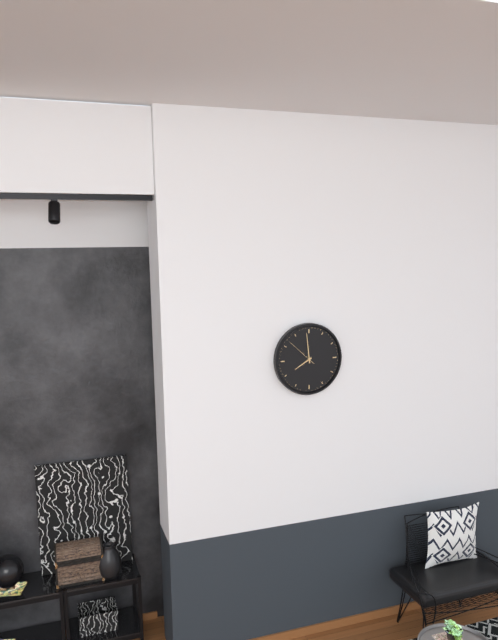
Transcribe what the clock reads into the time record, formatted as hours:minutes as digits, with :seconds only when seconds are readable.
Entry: 7:59
